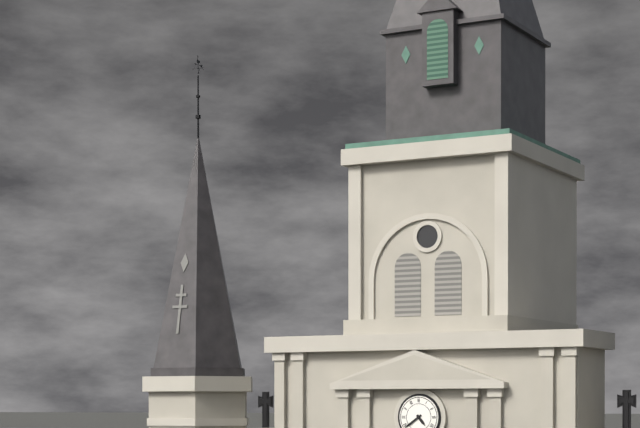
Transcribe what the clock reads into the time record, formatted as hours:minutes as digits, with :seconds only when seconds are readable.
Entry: 4:39
